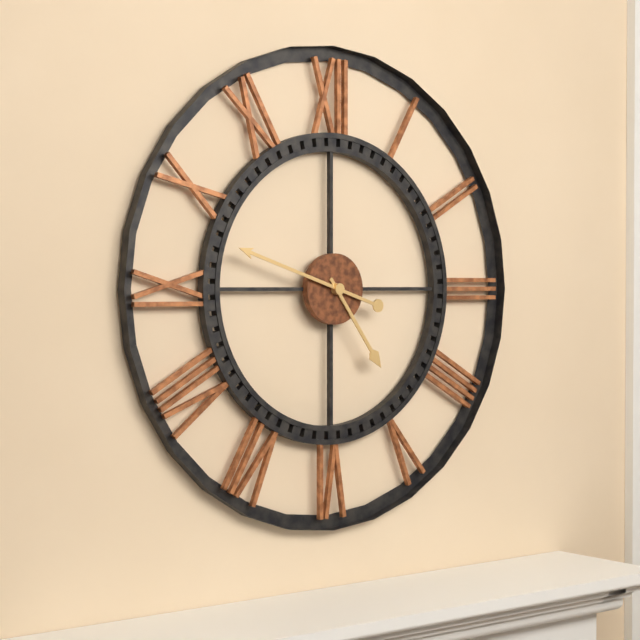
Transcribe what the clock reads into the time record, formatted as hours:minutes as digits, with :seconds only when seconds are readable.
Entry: 4:48
